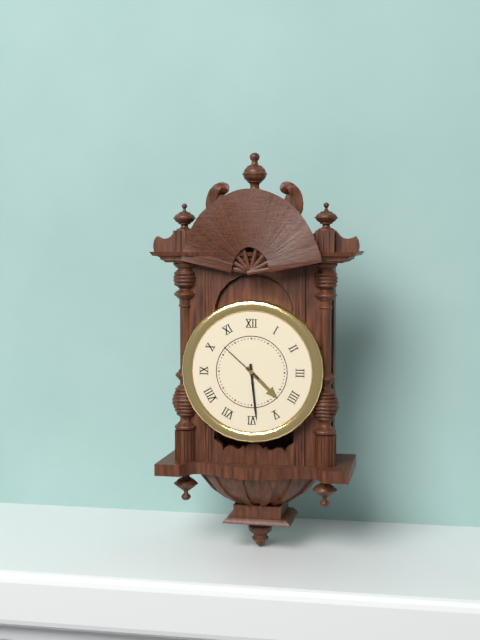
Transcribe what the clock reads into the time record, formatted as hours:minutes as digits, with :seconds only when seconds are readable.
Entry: 4:29
